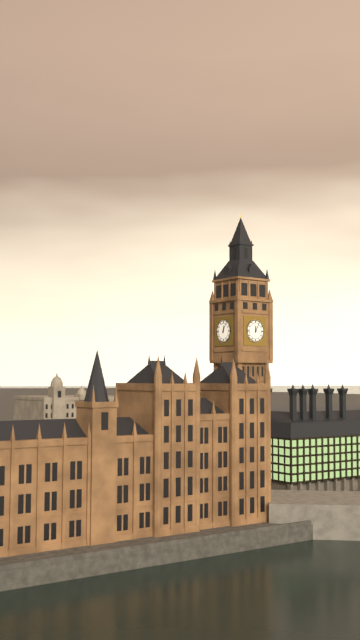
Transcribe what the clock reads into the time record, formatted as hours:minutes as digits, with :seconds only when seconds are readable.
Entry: 12:05
